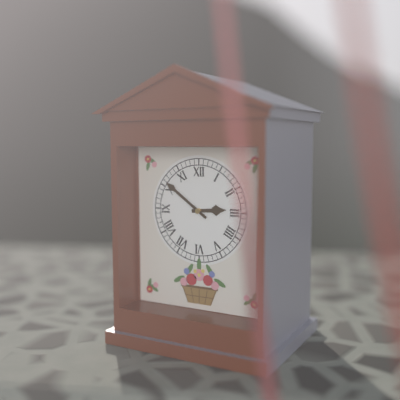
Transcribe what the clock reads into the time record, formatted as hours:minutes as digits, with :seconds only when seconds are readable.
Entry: 2:51
